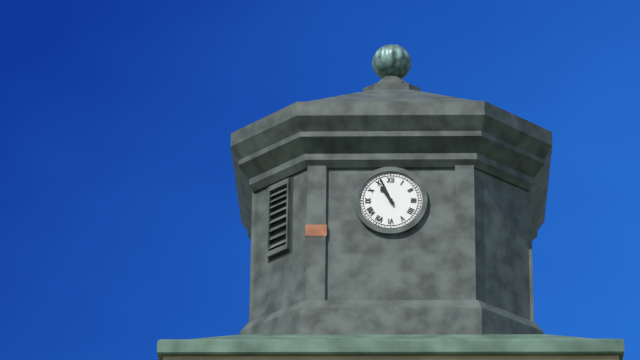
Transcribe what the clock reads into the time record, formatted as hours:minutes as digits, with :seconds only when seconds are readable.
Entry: 10:56
